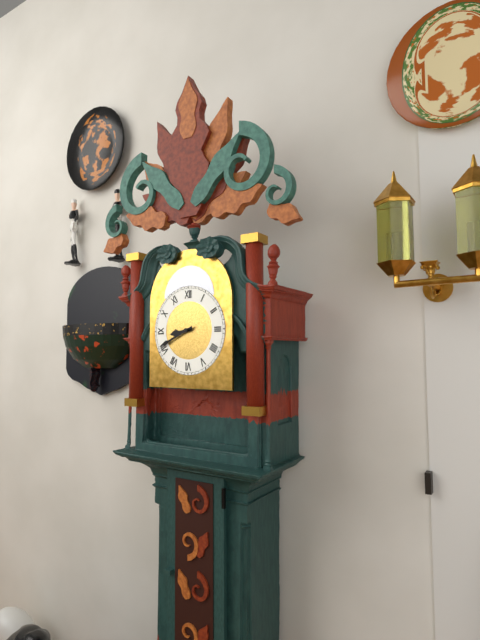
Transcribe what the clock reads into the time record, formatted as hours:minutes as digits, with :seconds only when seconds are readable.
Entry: 8:41
